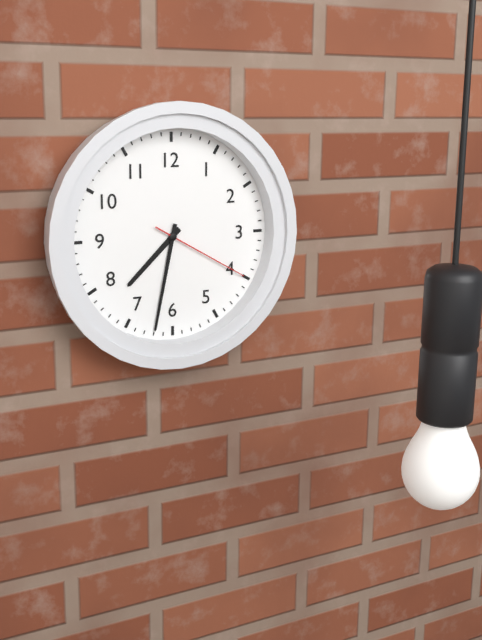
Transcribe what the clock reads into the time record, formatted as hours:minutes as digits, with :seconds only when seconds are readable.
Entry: 7:32:20
